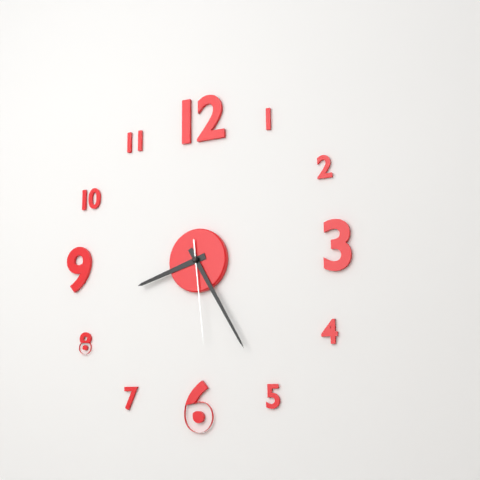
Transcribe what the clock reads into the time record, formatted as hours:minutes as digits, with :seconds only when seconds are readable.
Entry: 8:25:29
